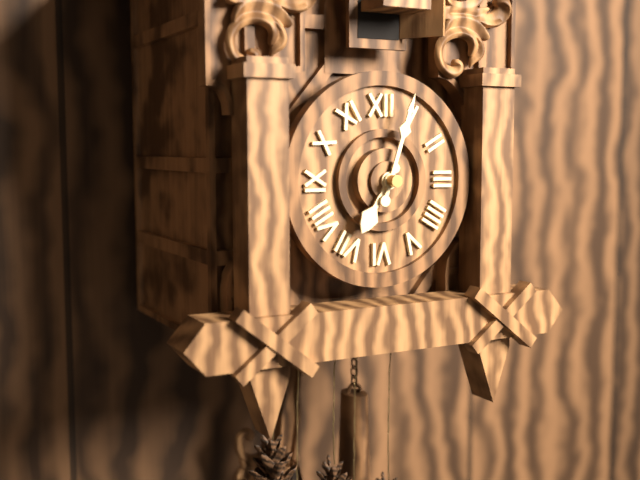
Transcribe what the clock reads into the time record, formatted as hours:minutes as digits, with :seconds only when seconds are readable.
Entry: 7:03
